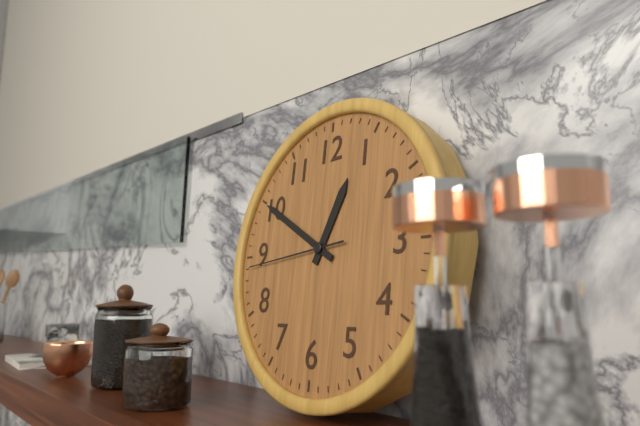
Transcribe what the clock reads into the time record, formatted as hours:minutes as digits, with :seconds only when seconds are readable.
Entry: 12:50:44
